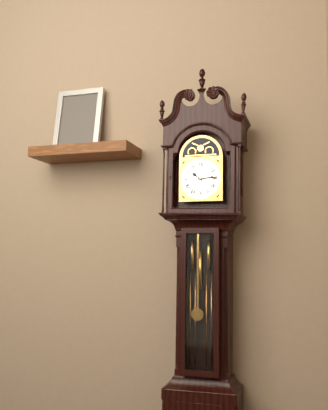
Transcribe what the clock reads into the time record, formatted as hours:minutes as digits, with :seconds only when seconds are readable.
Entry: 10:14
